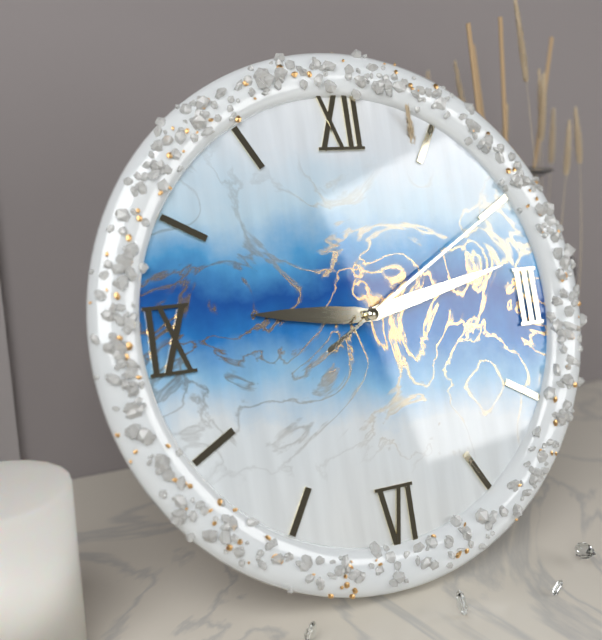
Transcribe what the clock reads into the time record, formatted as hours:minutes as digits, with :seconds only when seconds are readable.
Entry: 9:13:10
